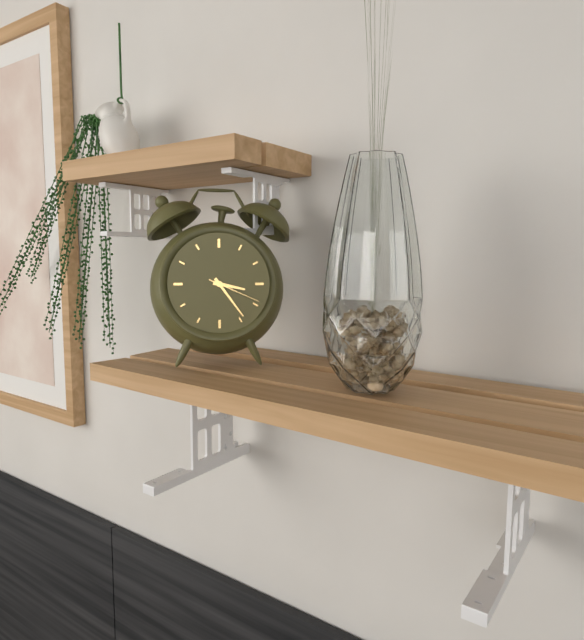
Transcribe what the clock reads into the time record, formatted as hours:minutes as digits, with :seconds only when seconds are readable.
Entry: 3:24:19
